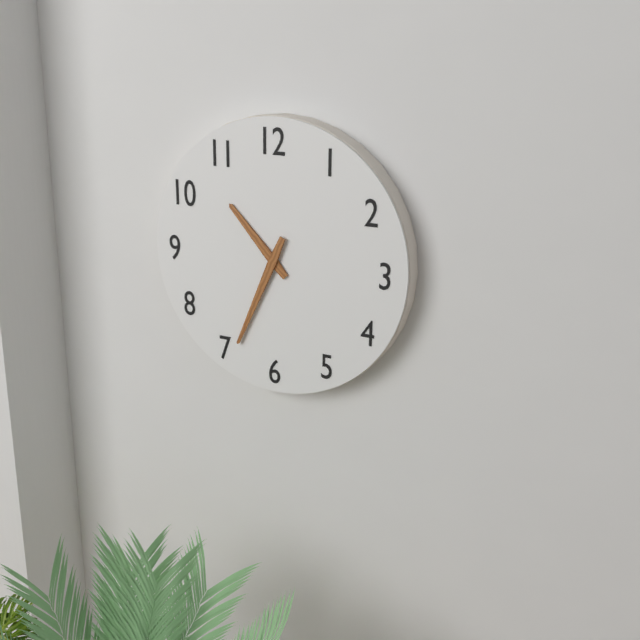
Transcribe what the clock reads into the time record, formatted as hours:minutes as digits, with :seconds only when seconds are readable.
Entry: 10:34
